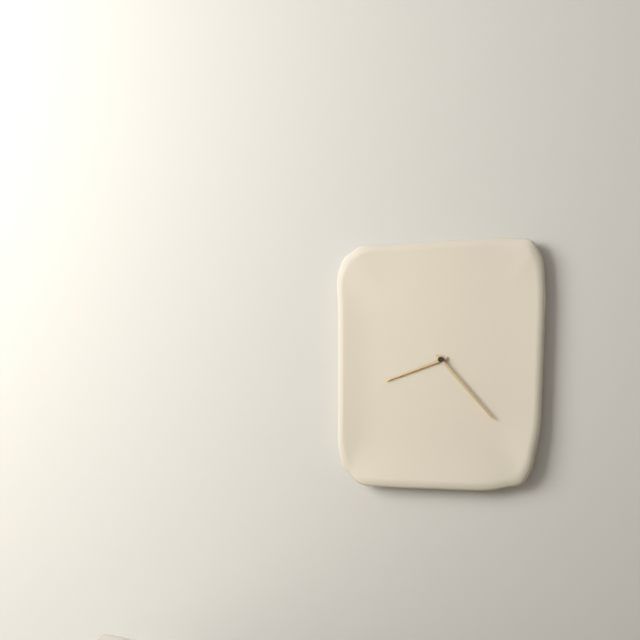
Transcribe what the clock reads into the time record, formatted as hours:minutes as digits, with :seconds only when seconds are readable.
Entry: 8:23
